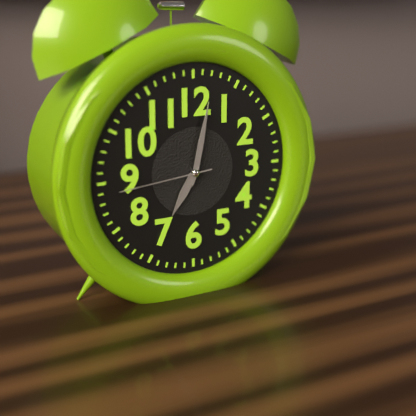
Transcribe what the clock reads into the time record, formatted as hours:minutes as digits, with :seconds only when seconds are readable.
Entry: 7:02:44
